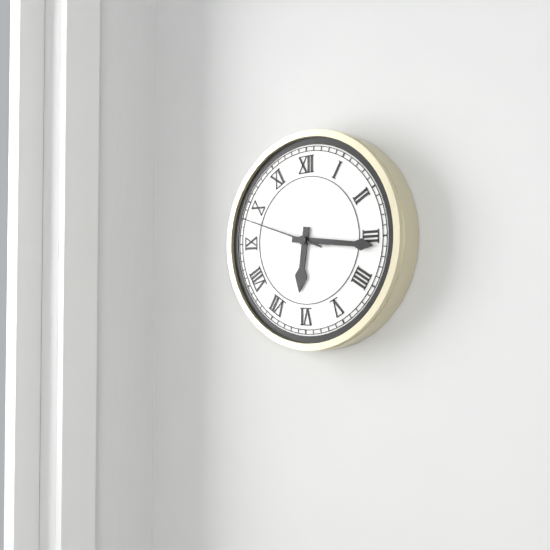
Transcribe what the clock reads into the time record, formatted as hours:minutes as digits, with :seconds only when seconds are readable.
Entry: 6:16:48
